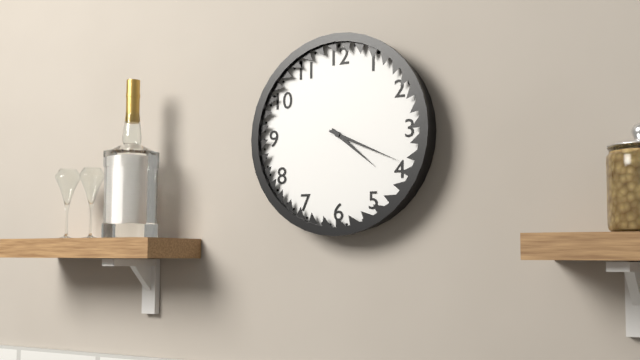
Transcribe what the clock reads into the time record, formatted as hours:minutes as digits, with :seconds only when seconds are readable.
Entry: 4:19
